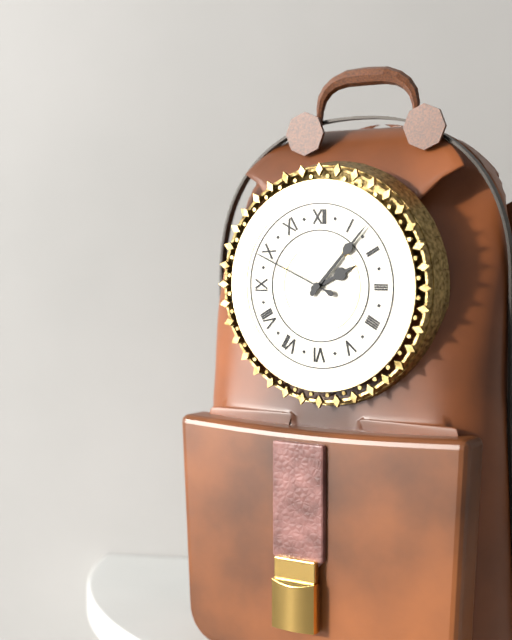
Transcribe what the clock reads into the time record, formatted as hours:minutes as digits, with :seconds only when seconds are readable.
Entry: 2:07:49
